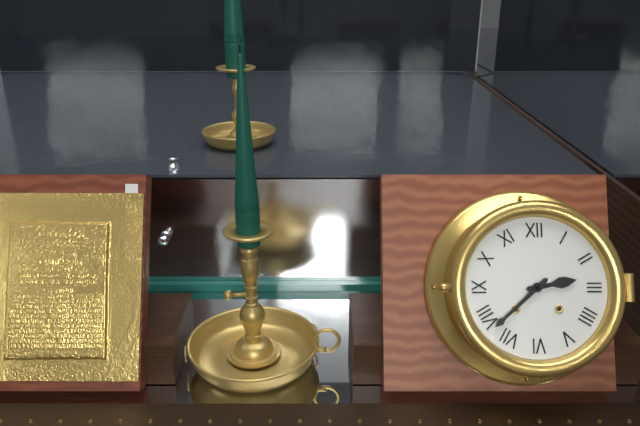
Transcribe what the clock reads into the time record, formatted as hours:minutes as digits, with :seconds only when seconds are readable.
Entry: 2:38
